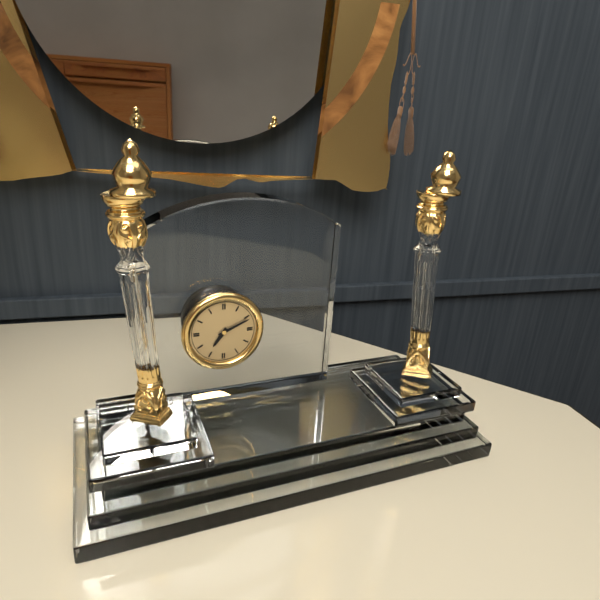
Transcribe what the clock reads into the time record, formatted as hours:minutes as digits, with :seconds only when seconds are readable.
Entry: 7:11
